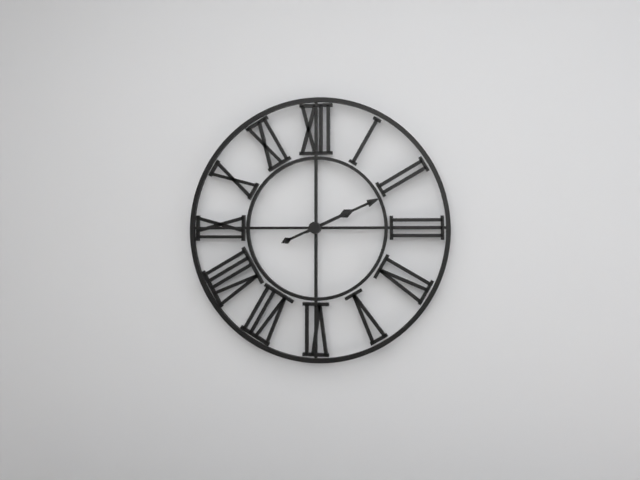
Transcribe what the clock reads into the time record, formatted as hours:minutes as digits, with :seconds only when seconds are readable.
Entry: 2:11
